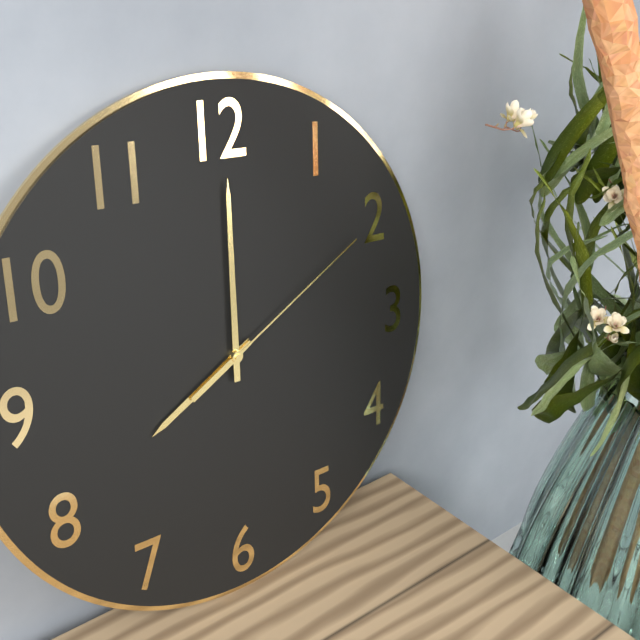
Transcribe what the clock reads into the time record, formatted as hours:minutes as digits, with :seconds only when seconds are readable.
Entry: 8:00:10
